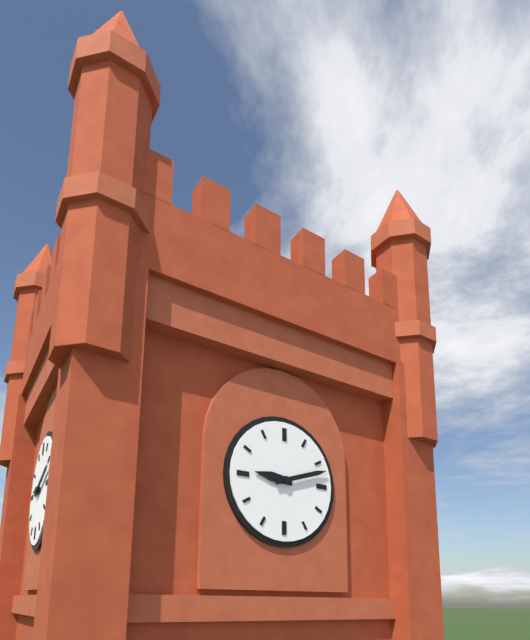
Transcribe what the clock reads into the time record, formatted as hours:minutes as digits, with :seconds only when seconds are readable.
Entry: 9:12
